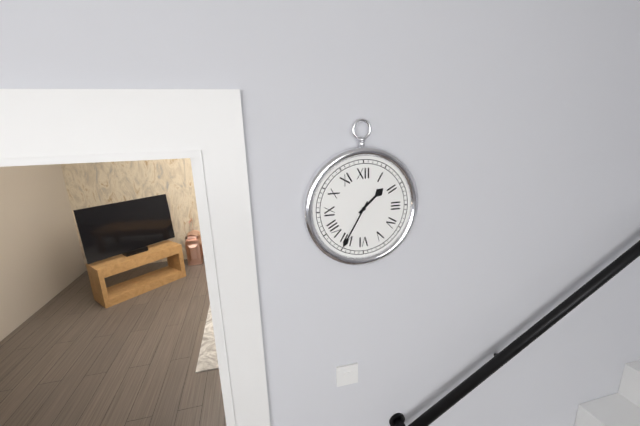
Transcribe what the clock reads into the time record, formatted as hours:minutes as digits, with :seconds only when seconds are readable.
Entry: 1:35
